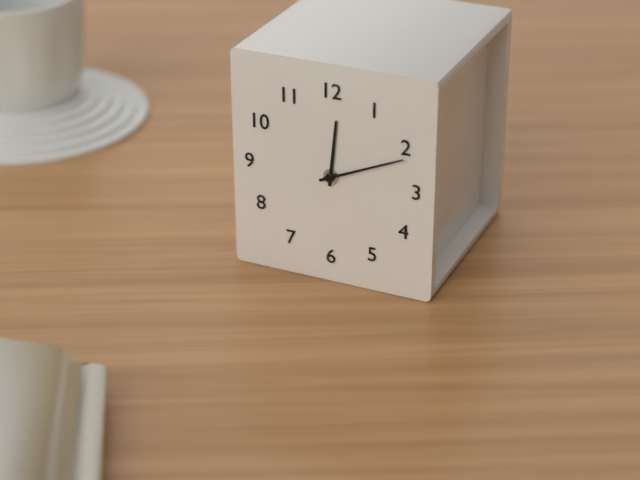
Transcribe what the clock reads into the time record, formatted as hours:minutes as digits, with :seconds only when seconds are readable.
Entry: 12:11
